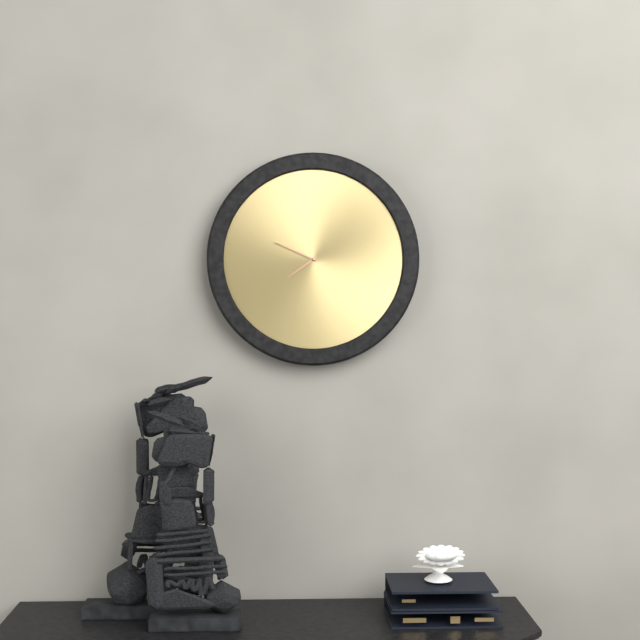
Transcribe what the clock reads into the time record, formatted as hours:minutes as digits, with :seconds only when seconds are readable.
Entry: 7:49
